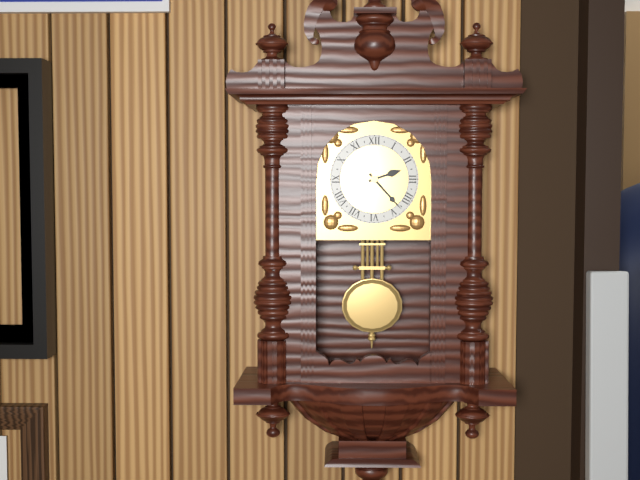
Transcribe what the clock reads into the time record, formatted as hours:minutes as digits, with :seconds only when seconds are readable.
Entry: 2:23
